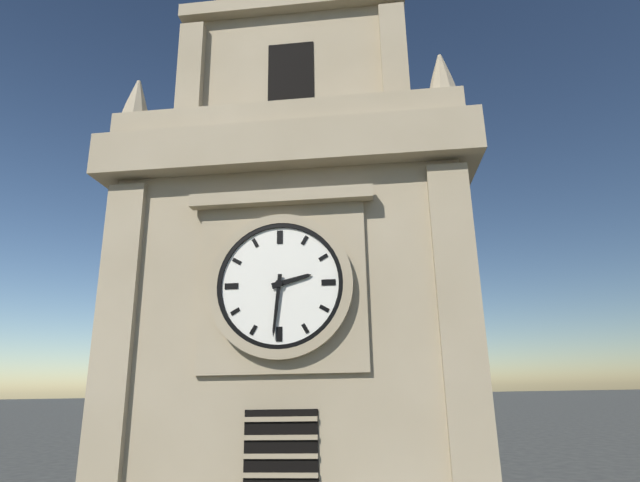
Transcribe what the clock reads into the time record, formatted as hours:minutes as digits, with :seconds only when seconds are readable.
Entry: 2:31
